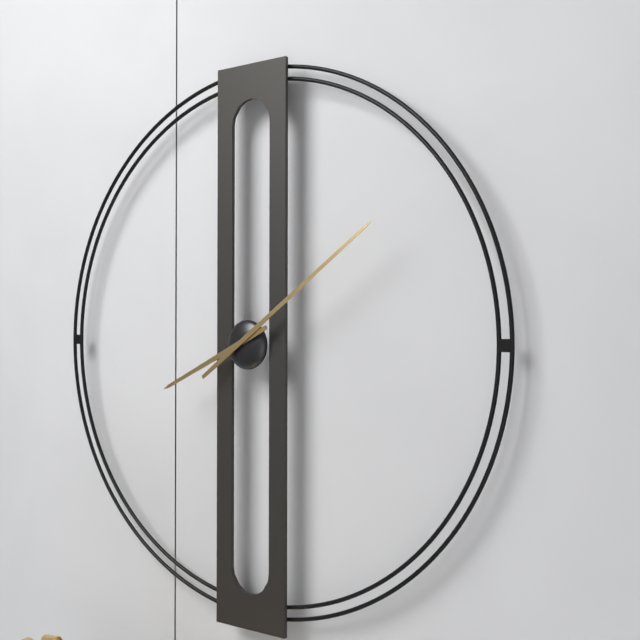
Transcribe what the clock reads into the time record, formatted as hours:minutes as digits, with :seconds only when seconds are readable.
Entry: 8:09
